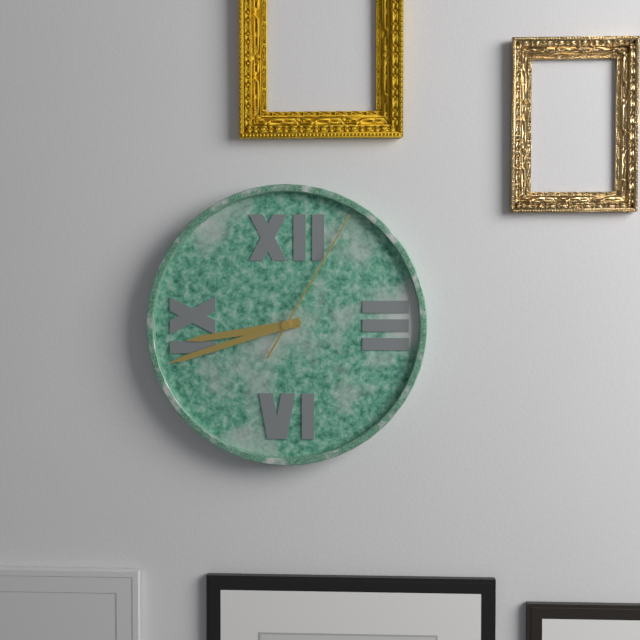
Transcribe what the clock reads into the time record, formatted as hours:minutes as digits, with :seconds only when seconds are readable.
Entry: 8:42:05
